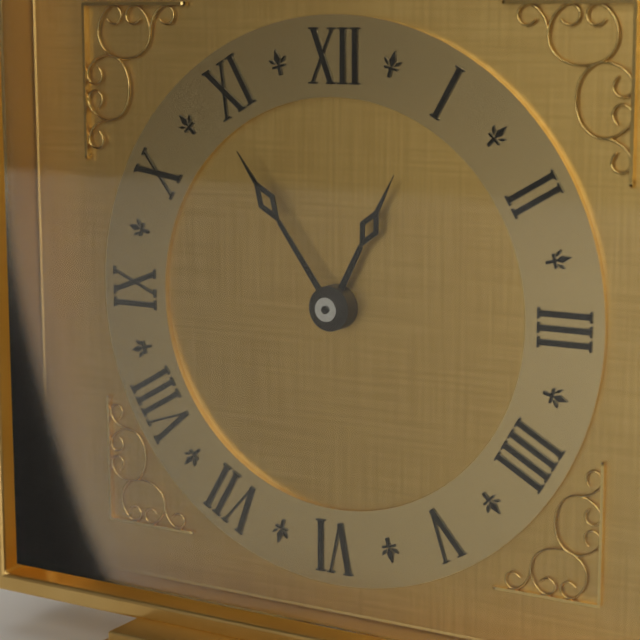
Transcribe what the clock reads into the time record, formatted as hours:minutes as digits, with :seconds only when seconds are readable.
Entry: 12:54
